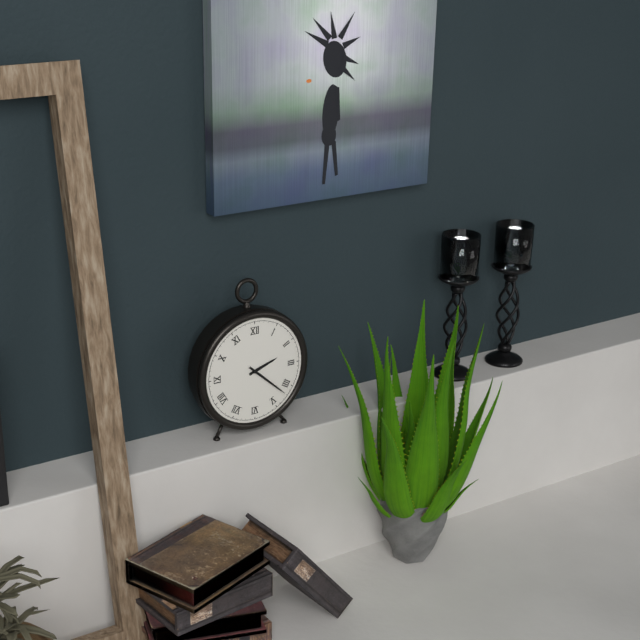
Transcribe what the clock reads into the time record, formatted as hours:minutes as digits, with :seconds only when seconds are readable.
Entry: 2:22
